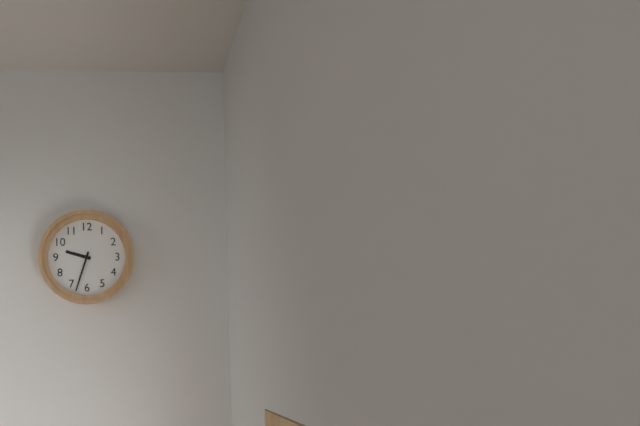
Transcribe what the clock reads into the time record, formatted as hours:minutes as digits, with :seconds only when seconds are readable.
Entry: 9:33
